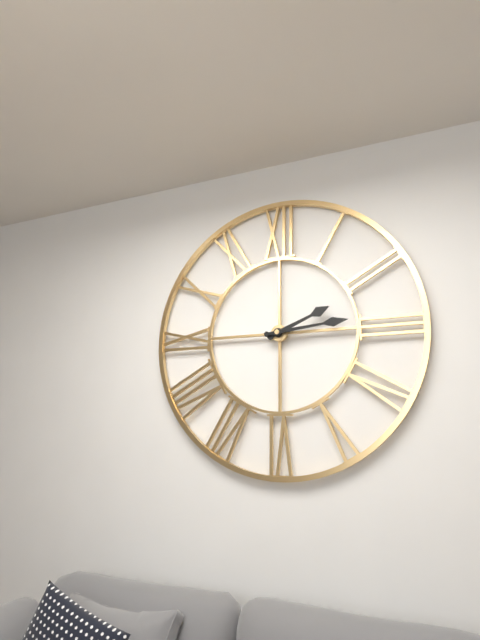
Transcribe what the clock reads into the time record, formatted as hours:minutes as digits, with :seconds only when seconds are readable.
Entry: 2:14
